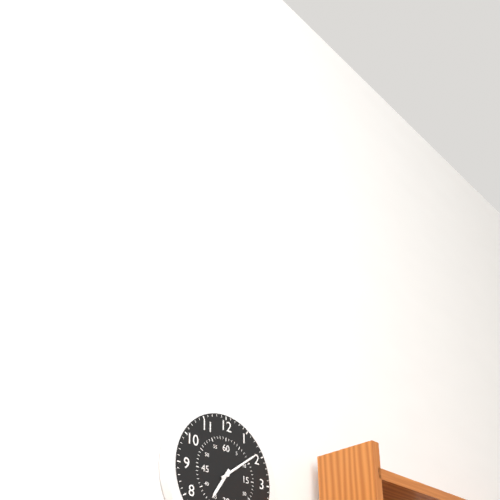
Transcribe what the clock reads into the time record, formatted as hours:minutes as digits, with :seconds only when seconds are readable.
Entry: 7:09
